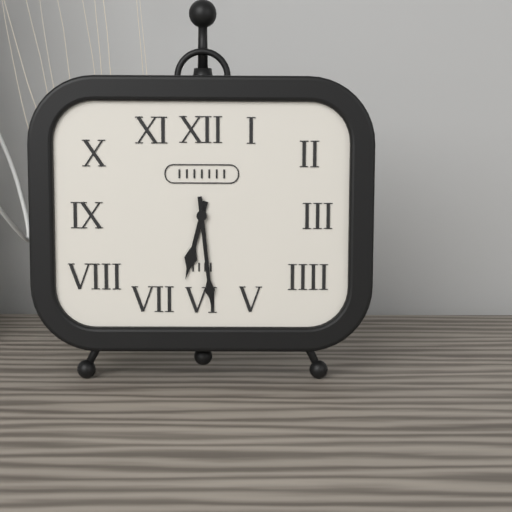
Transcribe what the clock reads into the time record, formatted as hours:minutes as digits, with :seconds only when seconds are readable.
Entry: 6:29
